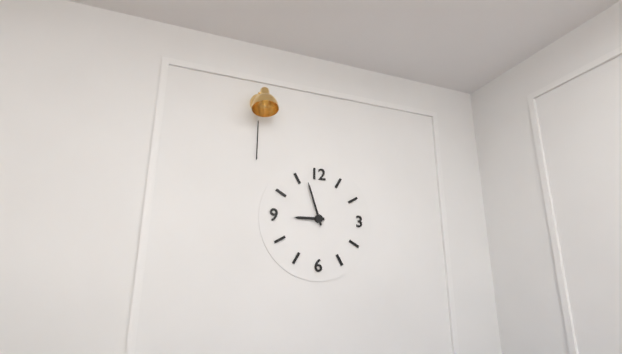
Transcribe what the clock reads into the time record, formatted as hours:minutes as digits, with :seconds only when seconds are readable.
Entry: 8:57
